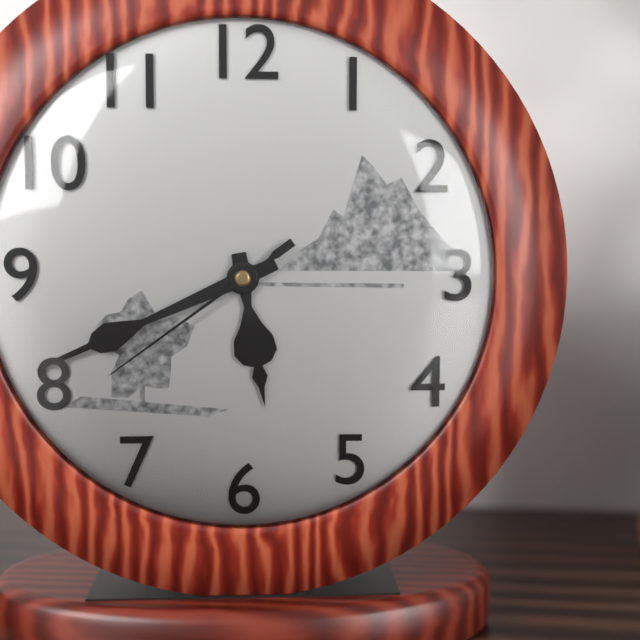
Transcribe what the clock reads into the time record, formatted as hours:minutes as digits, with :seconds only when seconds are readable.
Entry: 5:41:39
